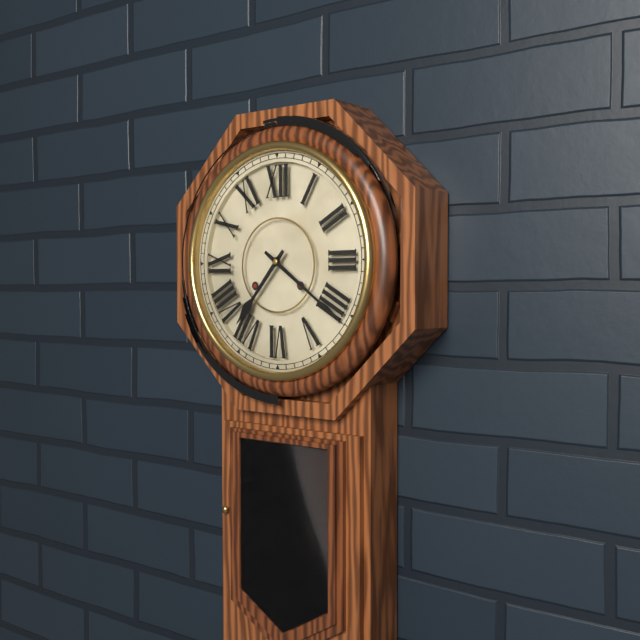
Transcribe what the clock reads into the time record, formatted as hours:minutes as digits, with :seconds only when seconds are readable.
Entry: 7:21
